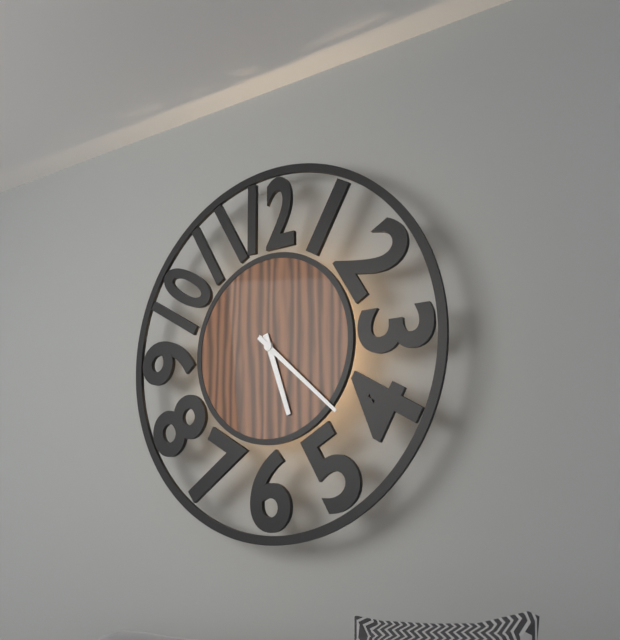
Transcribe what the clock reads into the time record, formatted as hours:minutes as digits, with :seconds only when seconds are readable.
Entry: 5:22
